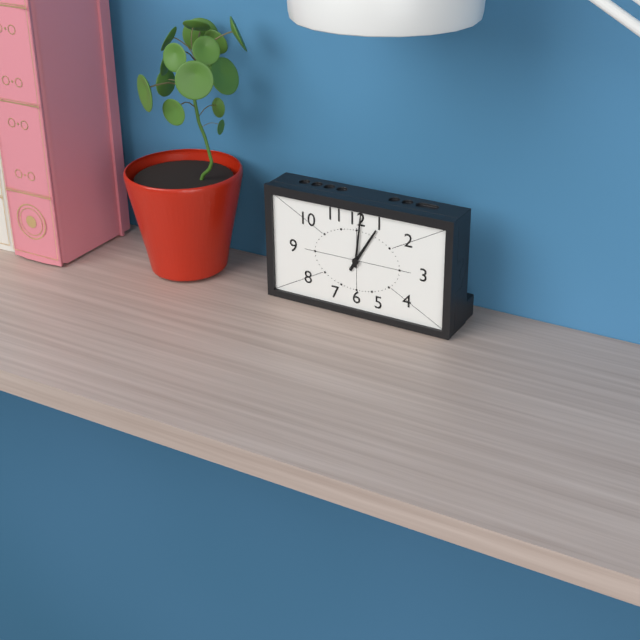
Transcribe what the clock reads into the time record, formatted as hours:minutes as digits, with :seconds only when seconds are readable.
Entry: 1:01
